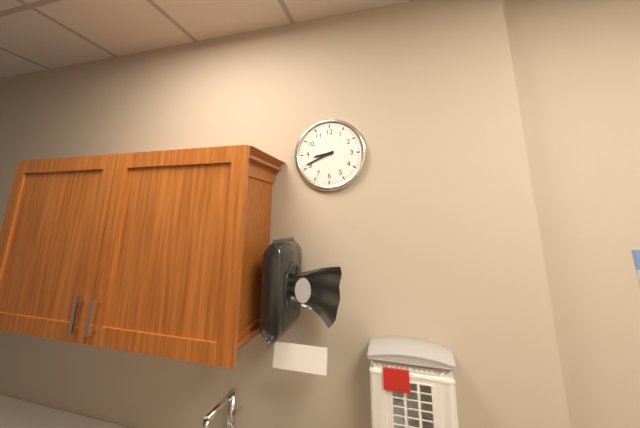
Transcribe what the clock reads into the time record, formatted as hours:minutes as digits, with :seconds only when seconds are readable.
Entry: 8:41
